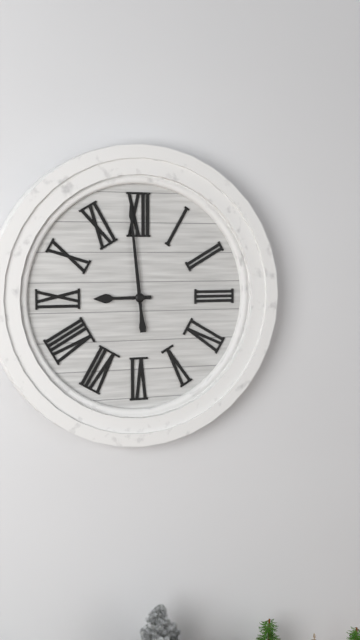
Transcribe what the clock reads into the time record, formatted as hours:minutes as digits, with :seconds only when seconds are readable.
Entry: 8:59
